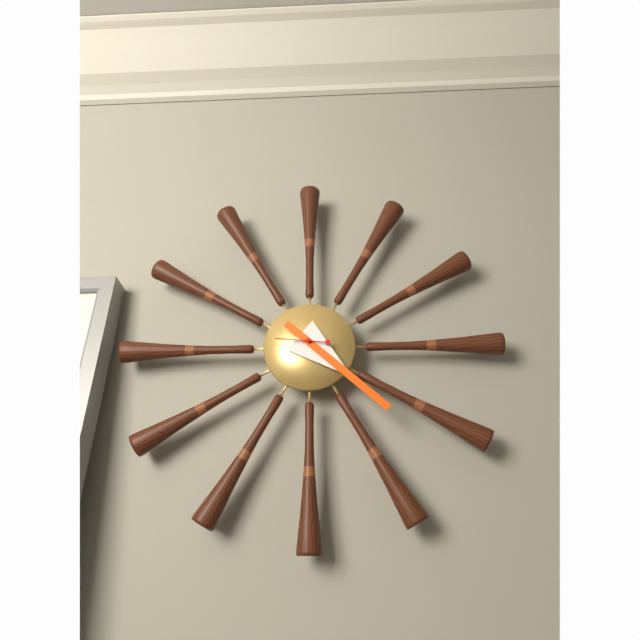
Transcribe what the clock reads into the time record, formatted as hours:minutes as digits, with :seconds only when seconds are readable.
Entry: 4:22:46
